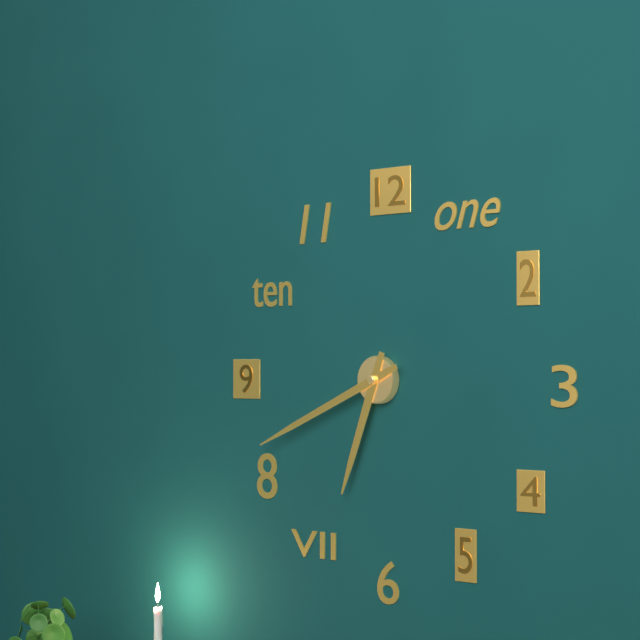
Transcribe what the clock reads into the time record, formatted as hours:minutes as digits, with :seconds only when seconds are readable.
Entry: 6:41
